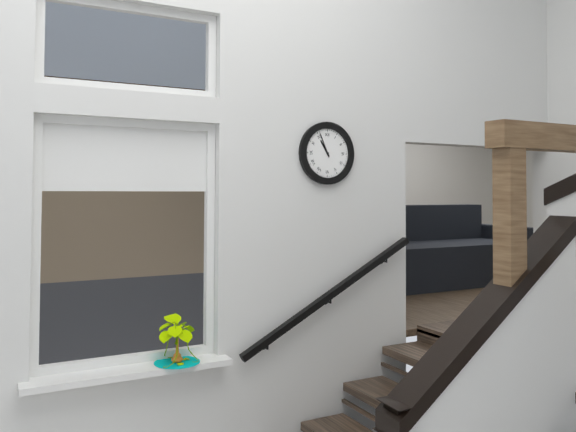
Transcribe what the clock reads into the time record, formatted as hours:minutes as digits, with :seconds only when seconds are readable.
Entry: 10:56
